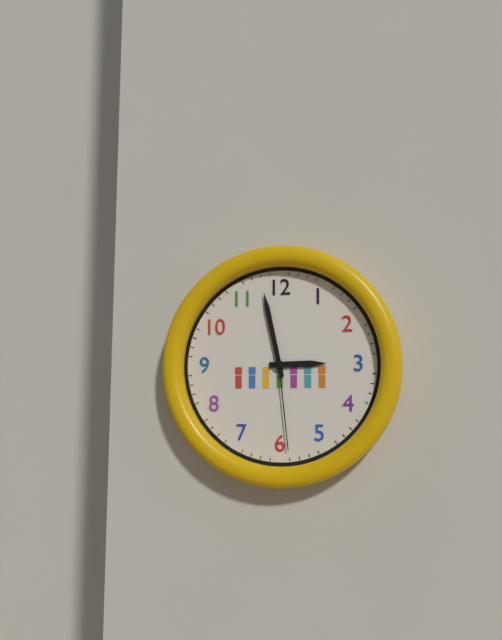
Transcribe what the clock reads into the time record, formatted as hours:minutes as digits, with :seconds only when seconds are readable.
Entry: 2:58:29
